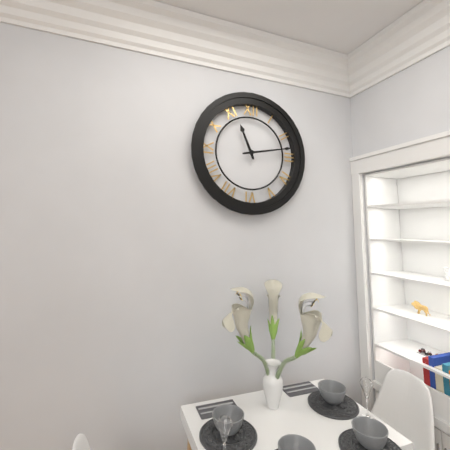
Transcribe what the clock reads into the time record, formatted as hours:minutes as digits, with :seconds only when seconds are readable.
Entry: 11:13
